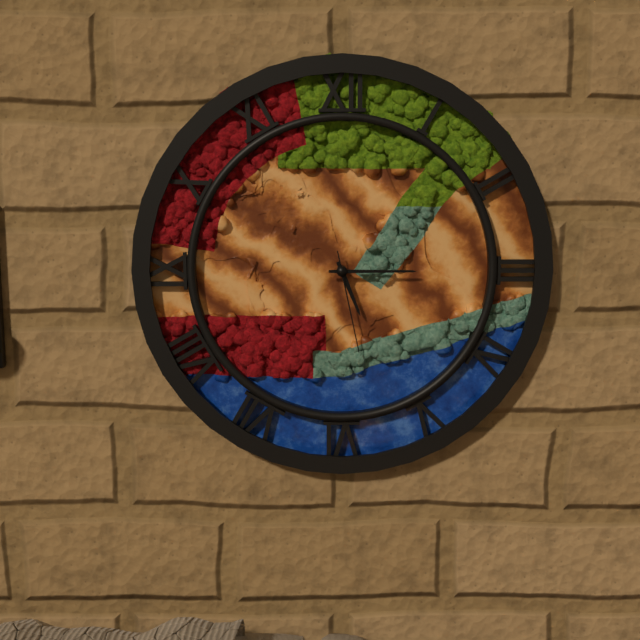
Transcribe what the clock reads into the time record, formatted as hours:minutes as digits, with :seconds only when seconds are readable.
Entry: 5:15:28
